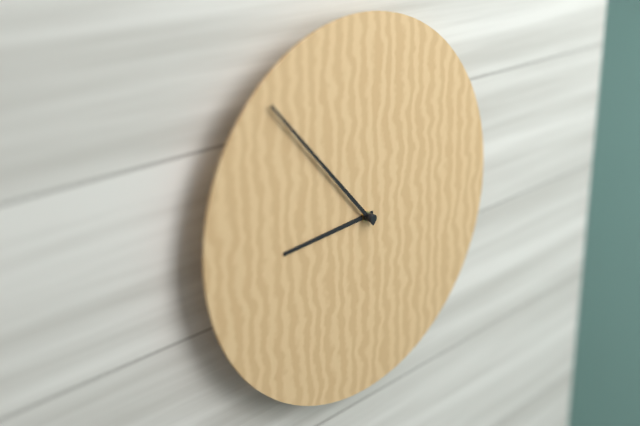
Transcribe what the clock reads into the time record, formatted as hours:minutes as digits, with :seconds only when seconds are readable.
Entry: 8:53
